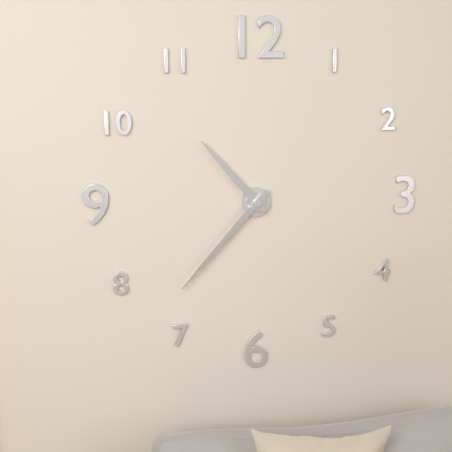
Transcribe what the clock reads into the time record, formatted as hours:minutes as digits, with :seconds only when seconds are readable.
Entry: 10:37
